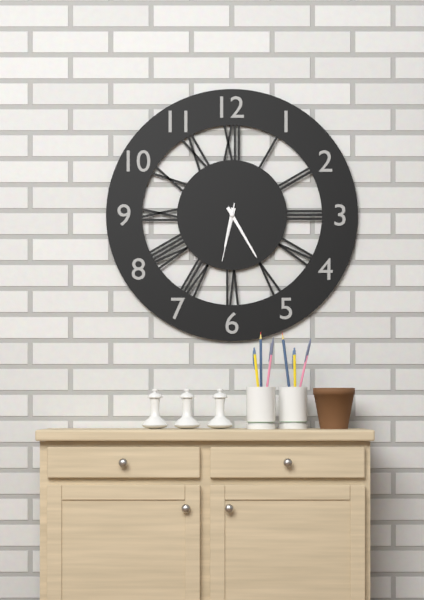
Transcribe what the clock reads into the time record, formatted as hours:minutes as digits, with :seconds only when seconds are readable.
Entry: 6:25:32
